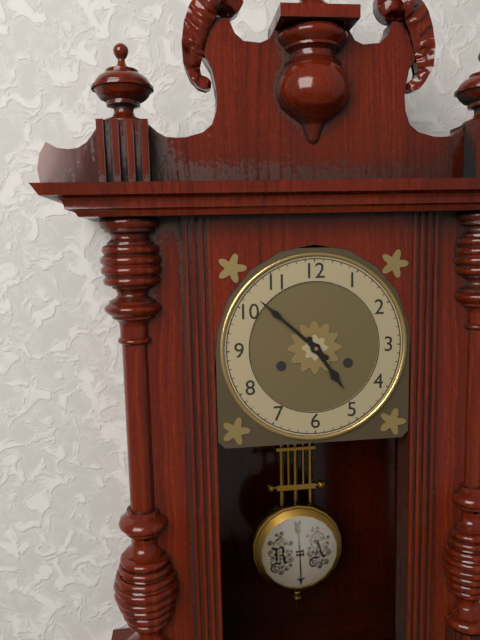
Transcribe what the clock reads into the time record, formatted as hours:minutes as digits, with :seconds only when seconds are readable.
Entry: 4:52
